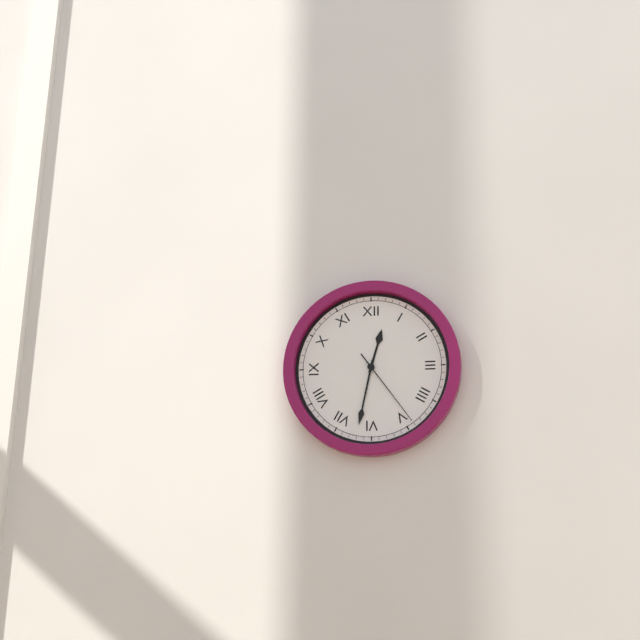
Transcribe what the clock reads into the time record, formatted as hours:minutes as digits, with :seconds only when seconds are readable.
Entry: 12:32:24
